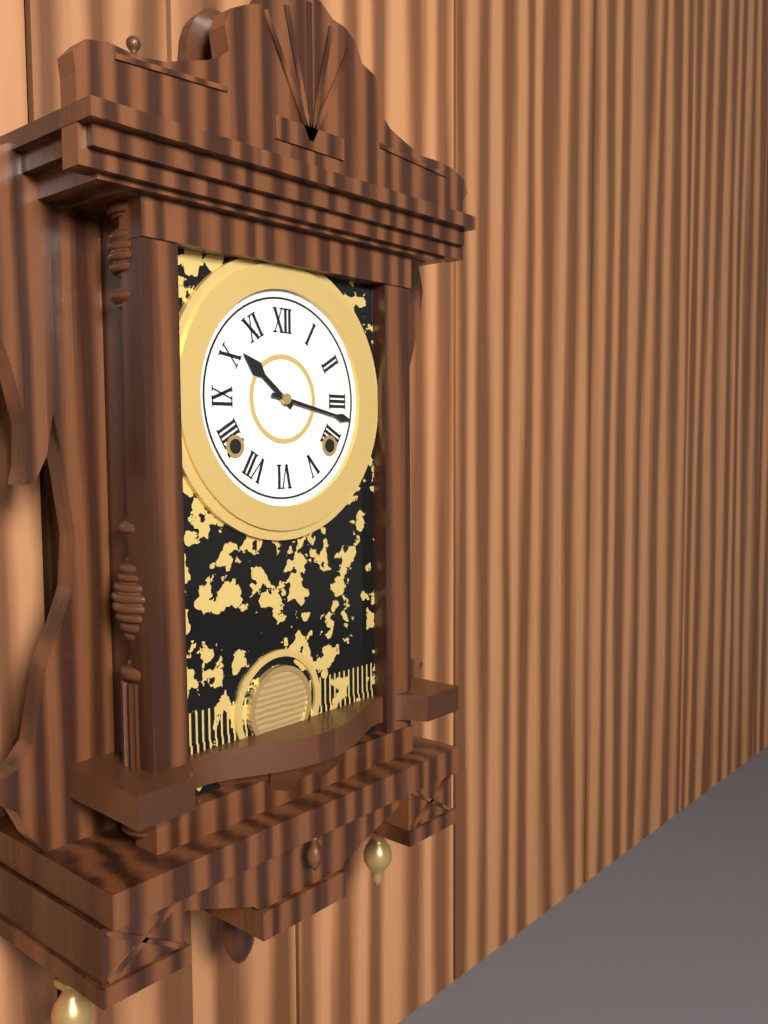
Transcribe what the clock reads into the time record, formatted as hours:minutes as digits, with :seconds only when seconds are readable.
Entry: 10:17
